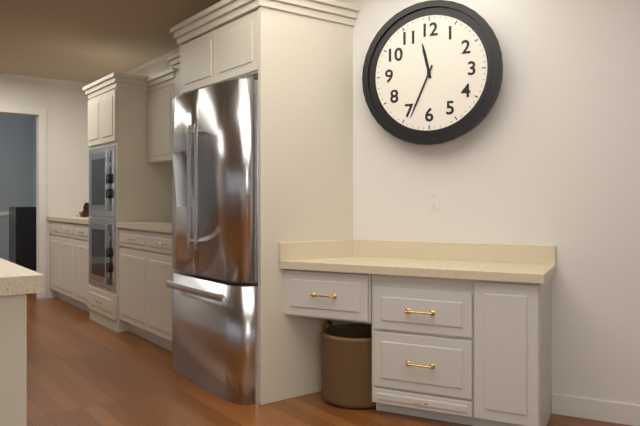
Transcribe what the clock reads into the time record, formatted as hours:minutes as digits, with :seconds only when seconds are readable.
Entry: 11:34
